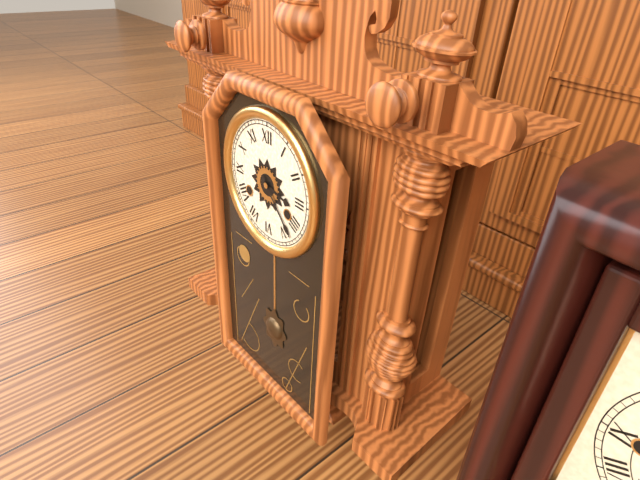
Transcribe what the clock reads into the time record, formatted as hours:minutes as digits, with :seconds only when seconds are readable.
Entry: 3:23
